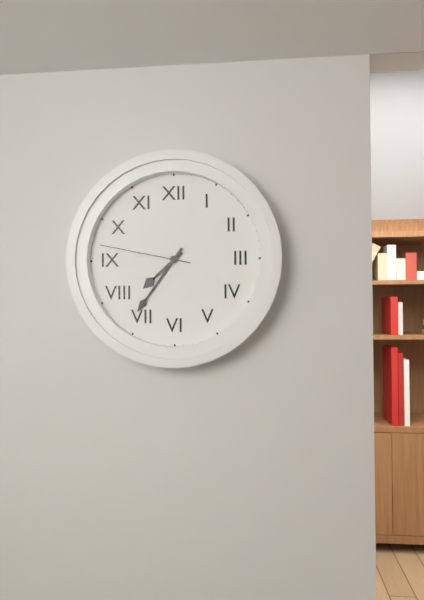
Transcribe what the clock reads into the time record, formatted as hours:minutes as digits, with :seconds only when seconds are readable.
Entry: 7:36:47
